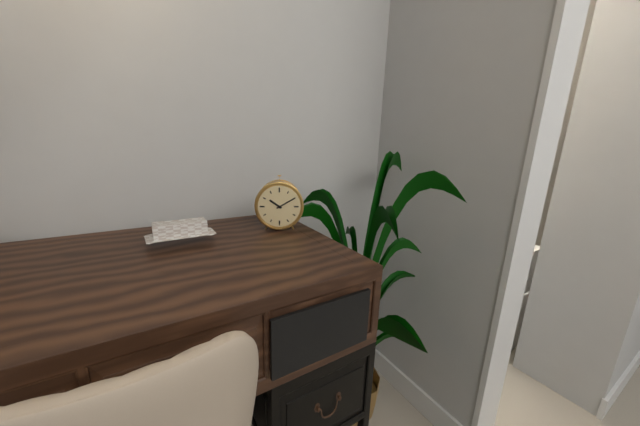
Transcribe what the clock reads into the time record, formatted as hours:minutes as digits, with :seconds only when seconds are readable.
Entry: 10:10
